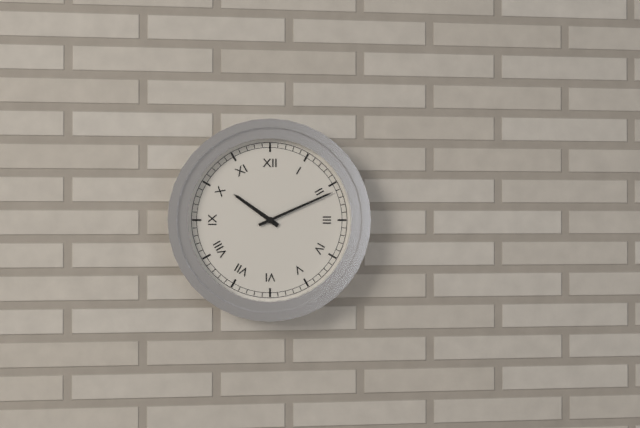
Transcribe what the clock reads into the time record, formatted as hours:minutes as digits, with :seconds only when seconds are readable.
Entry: 10:11
